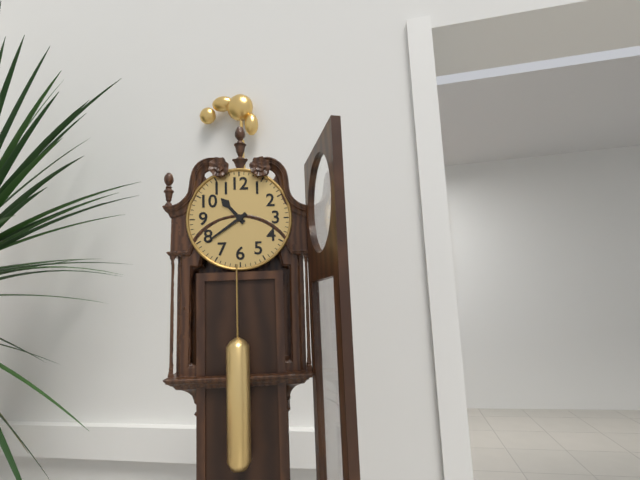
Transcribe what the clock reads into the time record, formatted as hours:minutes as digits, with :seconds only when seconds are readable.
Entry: 10:39
